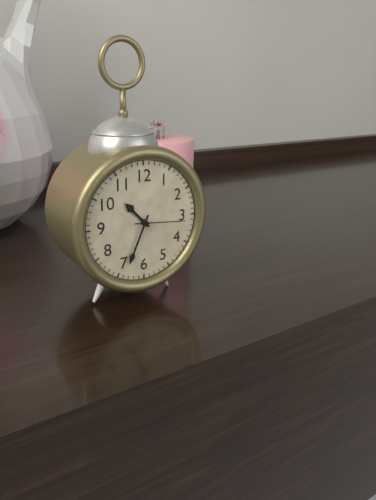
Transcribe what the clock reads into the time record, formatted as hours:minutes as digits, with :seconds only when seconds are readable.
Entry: 10:34
